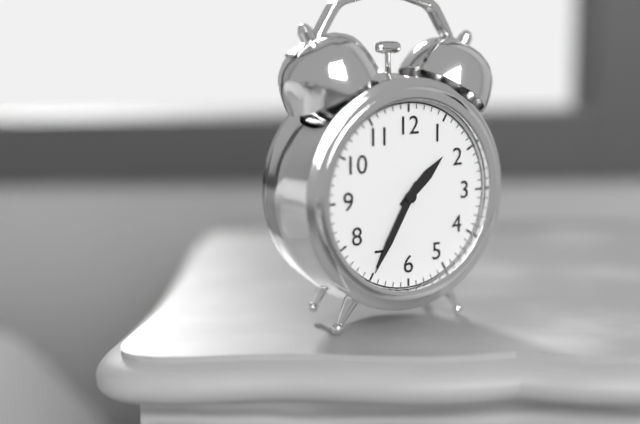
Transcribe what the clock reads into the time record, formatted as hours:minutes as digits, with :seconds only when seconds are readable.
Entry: 1:35
